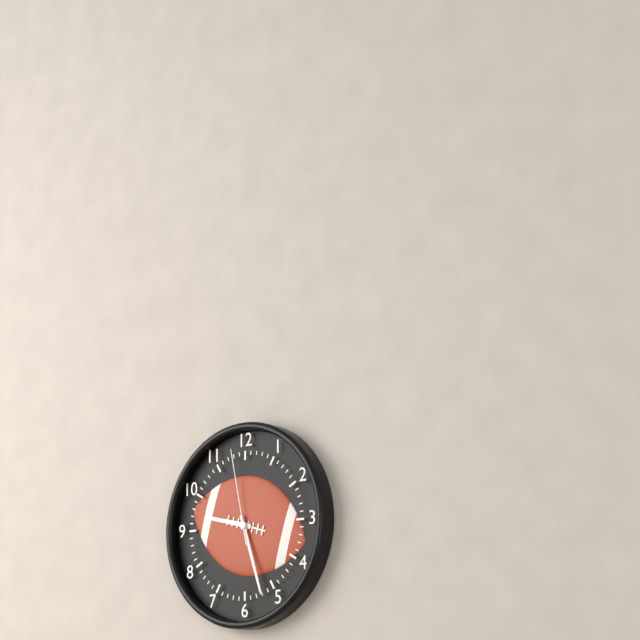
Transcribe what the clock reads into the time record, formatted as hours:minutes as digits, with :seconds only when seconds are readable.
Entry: 9:27:58
